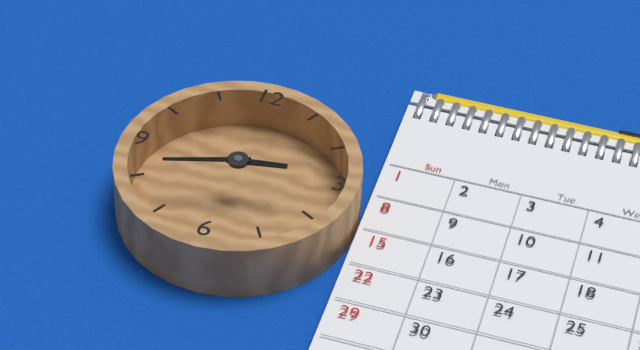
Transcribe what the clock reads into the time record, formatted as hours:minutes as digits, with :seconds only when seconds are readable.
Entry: 2:42
